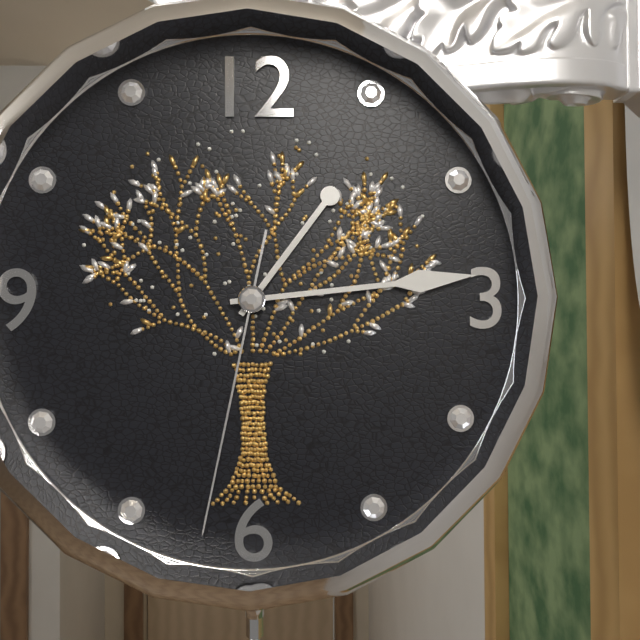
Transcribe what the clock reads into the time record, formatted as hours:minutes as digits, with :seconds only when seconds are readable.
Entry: 1:14:32
